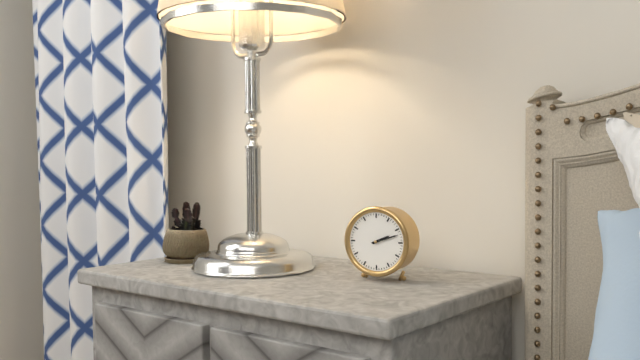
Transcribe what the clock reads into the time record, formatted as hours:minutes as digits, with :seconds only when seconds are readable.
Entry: 2:12
